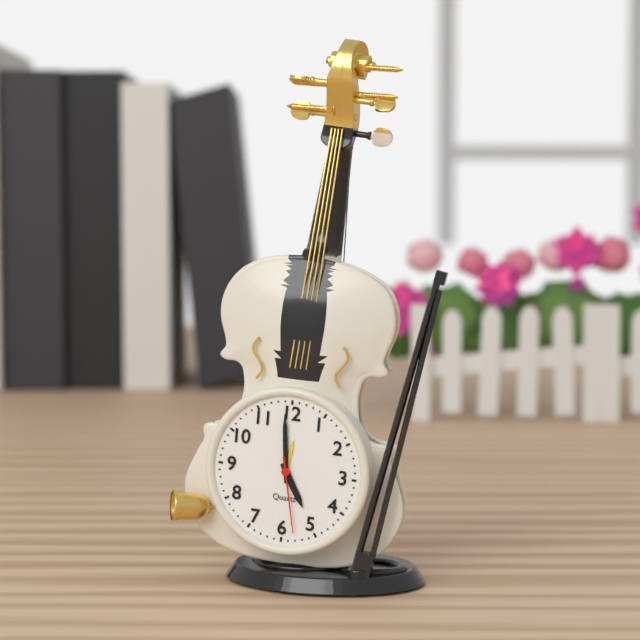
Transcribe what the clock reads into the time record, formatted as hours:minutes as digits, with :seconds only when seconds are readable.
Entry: 4:59:28
